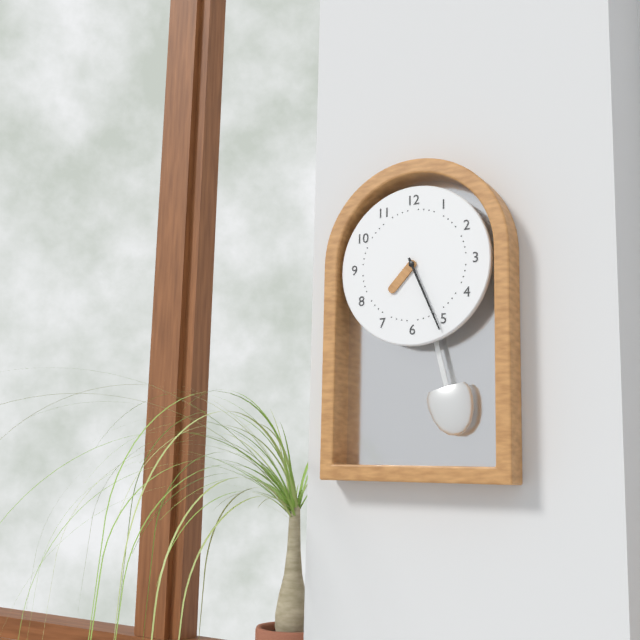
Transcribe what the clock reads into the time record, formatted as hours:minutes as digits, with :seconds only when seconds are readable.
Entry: 7:26
